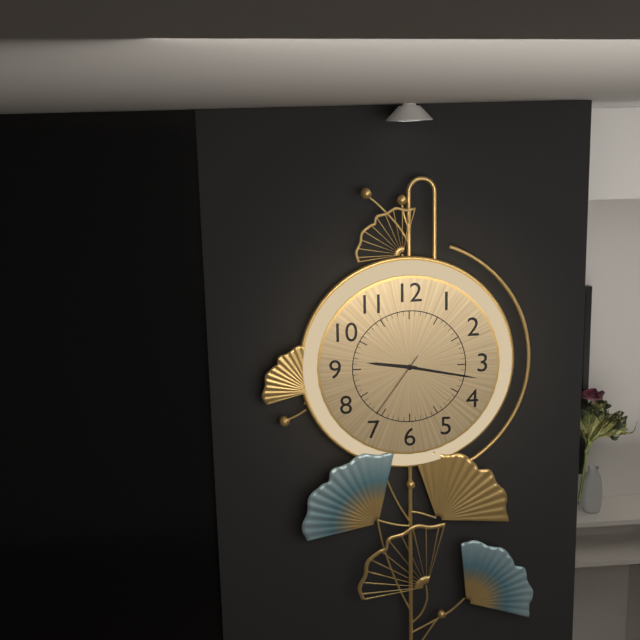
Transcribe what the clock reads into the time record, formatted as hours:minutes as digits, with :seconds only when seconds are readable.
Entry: 9:17:36
